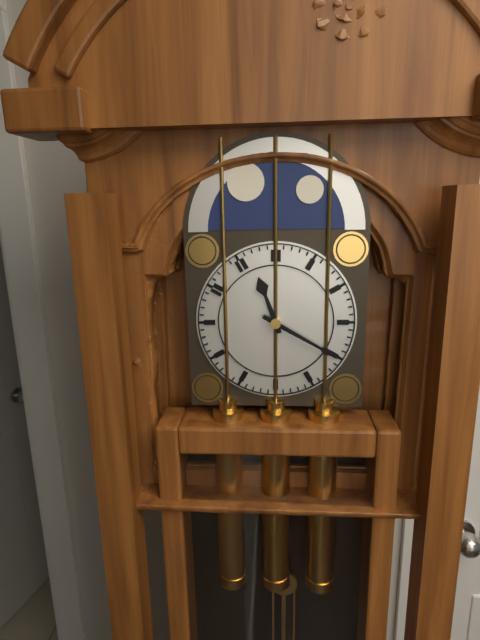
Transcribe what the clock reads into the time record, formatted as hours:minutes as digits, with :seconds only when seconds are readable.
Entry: 11:20
